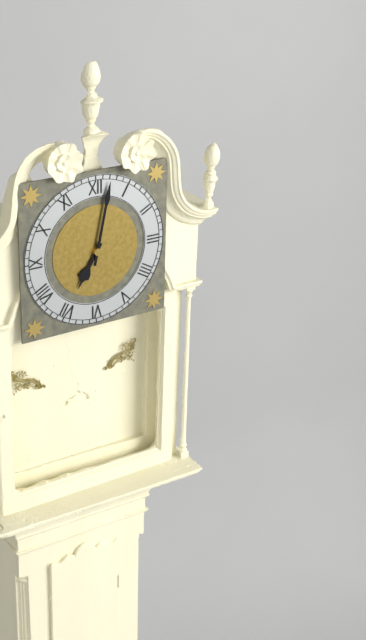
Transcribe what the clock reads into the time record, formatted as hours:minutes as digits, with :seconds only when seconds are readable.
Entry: 7:02
